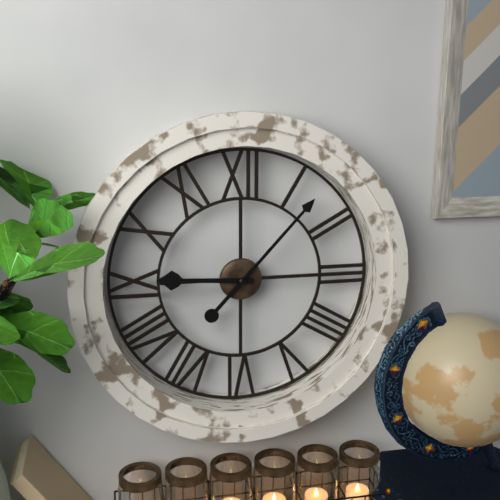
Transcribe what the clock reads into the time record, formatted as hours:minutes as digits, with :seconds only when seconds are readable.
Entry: 9:07
